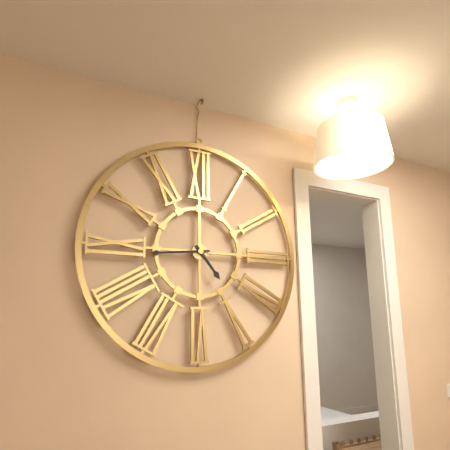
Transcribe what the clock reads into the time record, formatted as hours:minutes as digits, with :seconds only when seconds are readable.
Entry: 4:44
